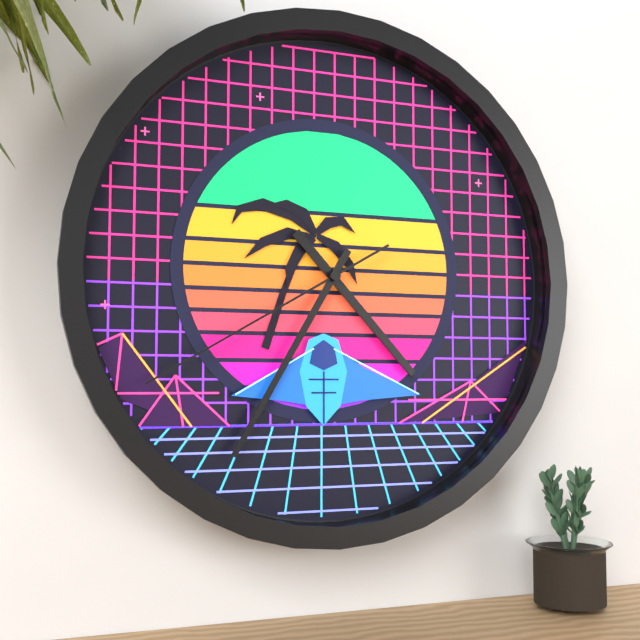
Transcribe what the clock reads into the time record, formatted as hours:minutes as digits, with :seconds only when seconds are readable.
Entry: 4:35:40
